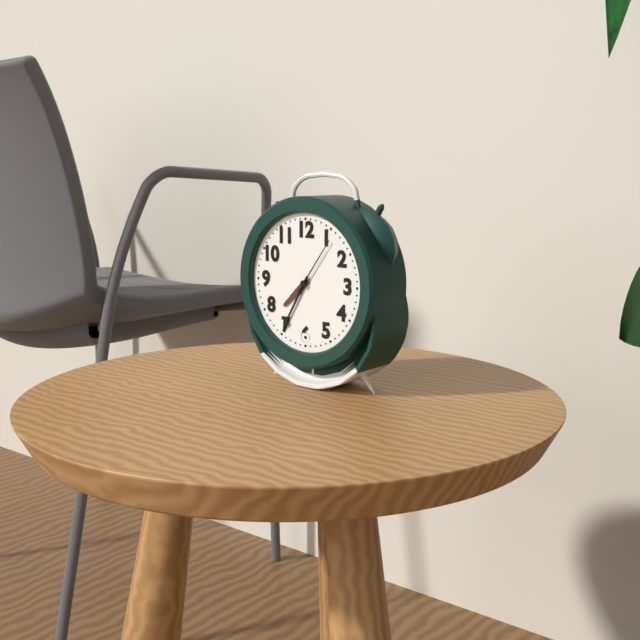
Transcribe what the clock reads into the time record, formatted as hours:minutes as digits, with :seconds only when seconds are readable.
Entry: 7:35:06
